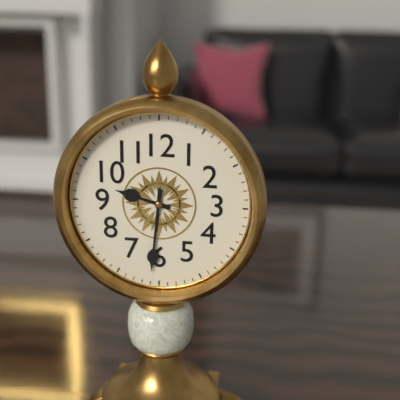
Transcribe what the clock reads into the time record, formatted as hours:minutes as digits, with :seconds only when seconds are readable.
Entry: 9:31
